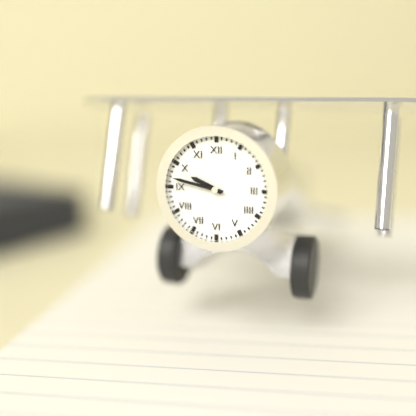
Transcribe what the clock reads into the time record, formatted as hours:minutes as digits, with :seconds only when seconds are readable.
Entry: 9:47
